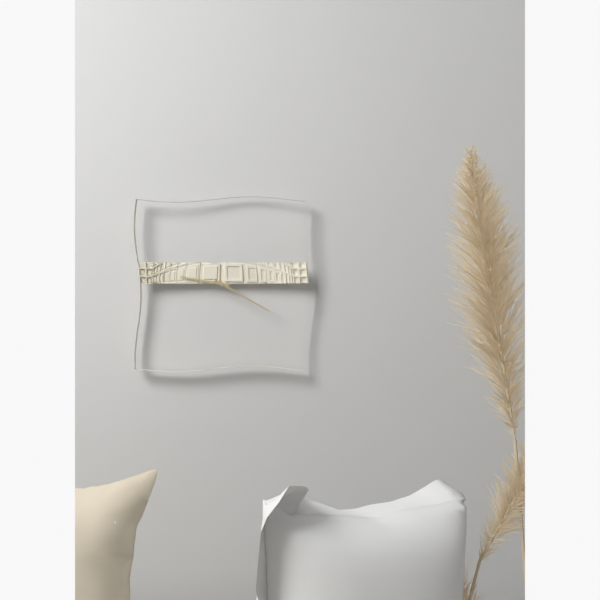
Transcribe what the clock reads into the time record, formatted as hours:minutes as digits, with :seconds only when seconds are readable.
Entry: 9:20
